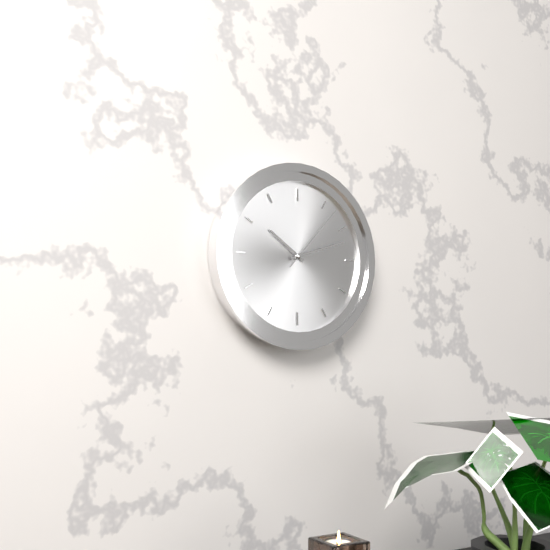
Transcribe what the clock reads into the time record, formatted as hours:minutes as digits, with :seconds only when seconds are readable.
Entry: 10:12:07
